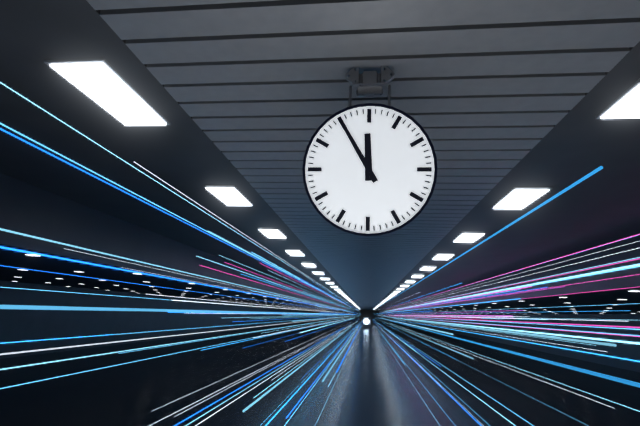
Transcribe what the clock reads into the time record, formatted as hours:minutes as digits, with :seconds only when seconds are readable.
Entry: 11:55
